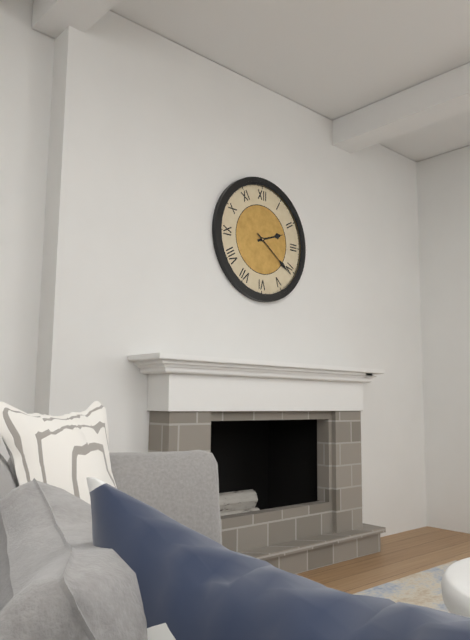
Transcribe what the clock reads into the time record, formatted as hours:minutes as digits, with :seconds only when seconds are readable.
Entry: 2:21
